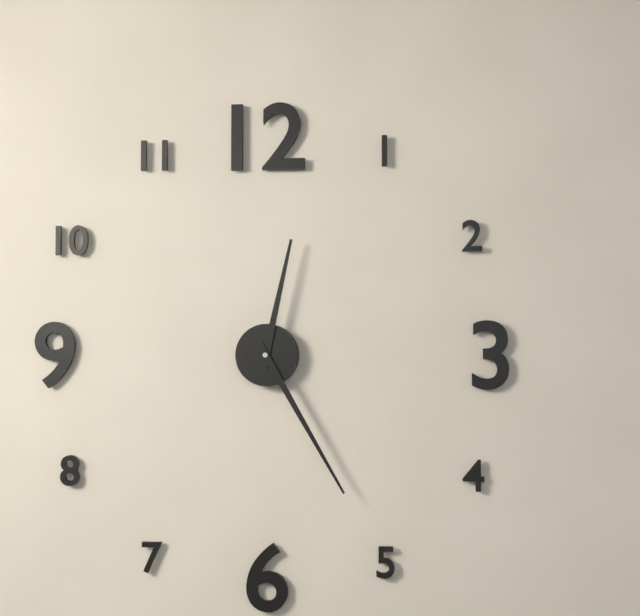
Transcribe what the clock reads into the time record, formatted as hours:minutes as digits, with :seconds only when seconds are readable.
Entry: 12:25
